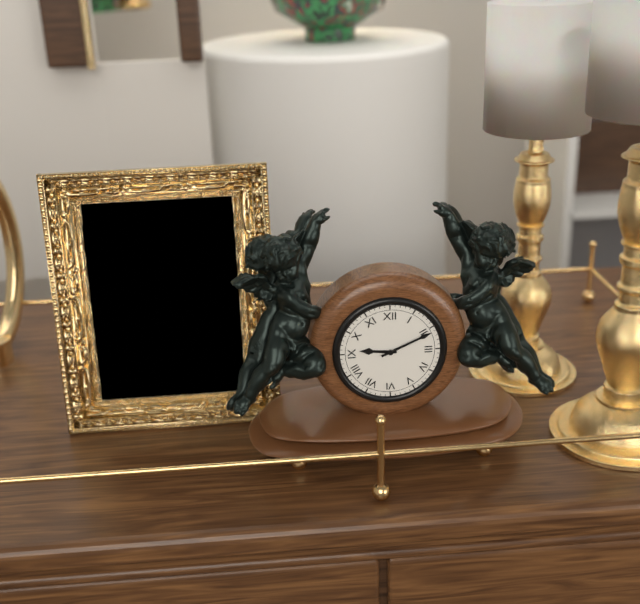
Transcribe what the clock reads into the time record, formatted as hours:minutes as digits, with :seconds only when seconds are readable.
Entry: 9:11
